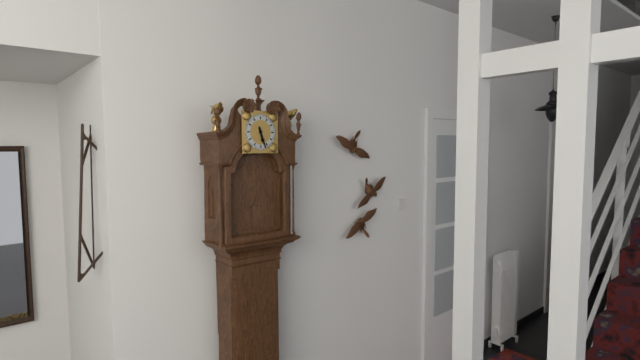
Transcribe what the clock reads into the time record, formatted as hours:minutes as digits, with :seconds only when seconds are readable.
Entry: 5:27
